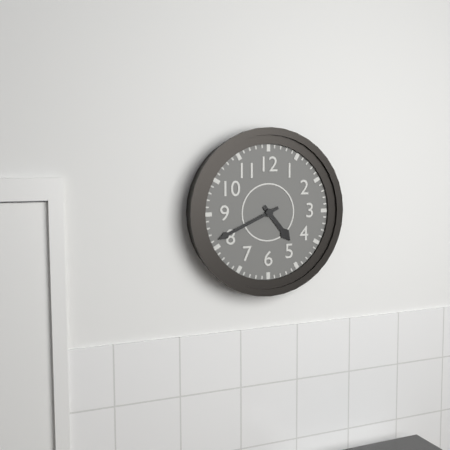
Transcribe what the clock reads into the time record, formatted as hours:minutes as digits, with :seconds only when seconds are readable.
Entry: 4:41
